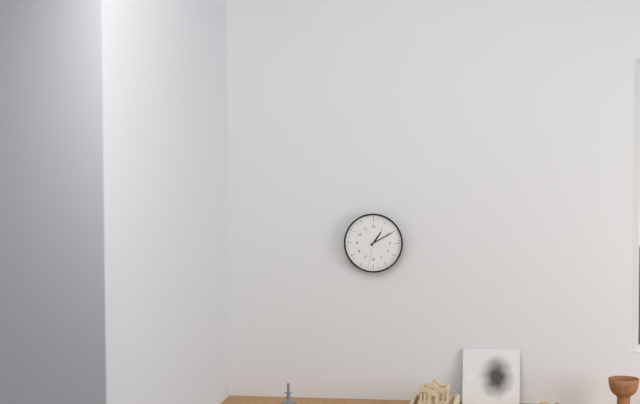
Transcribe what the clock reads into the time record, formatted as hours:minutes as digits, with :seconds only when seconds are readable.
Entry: 1:10
